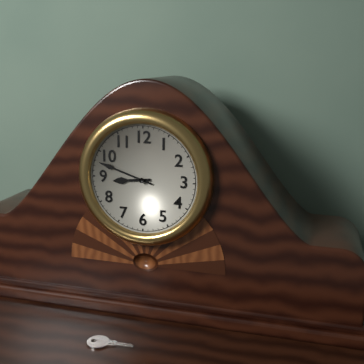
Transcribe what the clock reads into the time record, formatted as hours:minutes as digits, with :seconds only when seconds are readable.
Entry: 8:48
